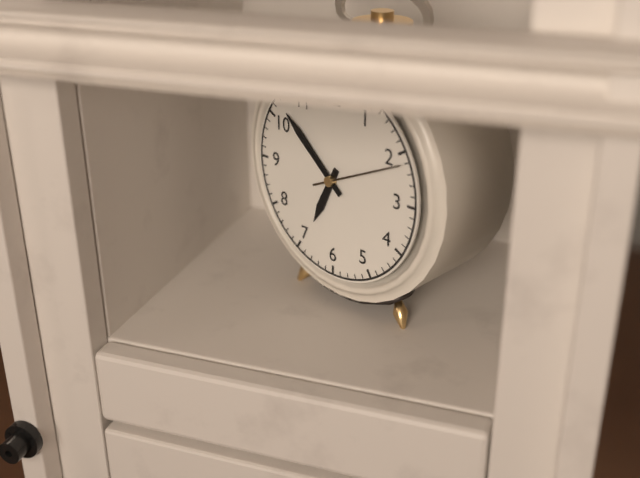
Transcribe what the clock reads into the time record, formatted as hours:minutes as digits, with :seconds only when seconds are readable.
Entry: 6:52:11
